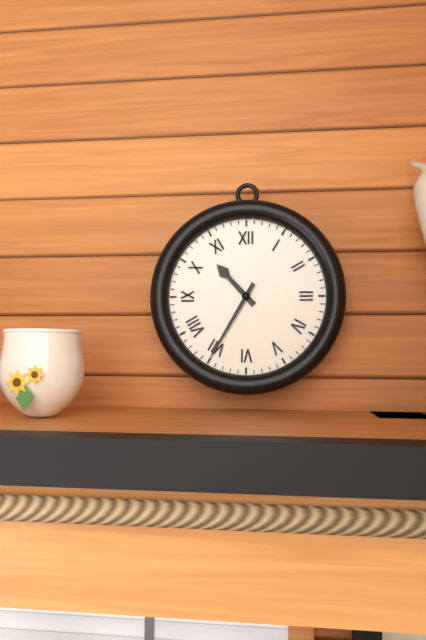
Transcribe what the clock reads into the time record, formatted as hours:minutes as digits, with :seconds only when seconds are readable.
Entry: 10:35
